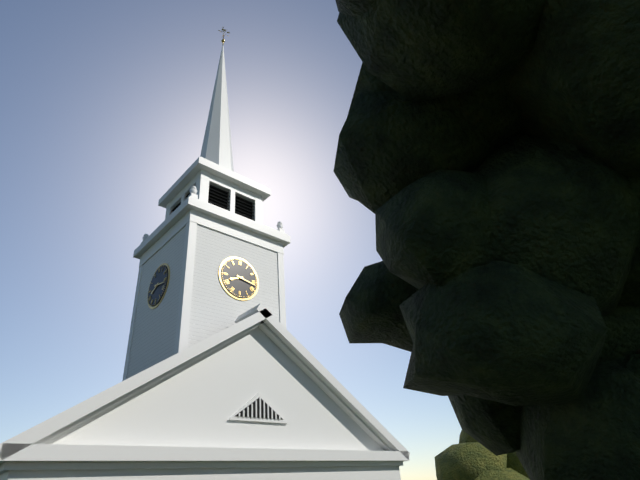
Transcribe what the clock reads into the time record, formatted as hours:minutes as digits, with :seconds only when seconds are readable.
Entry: 8:17
